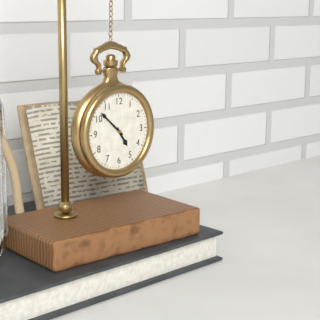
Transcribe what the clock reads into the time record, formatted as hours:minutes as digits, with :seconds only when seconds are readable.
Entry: 4:52
